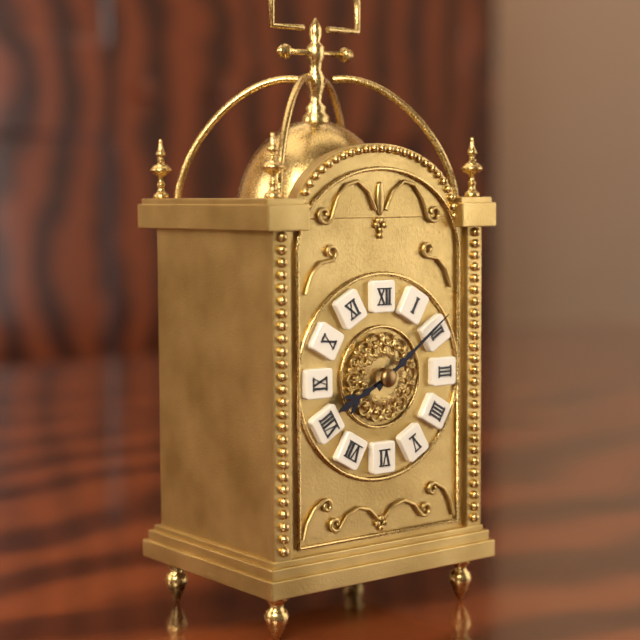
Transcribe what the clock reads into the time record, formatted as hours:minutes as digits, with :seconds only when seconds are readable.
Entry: 8:09
